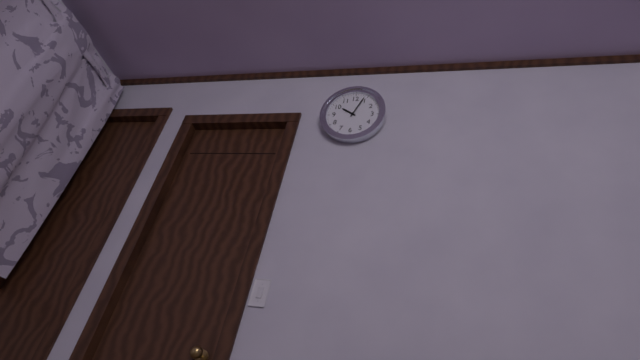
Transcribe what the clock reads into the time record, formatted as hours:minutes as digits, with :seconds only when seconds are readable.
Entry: 10:04
